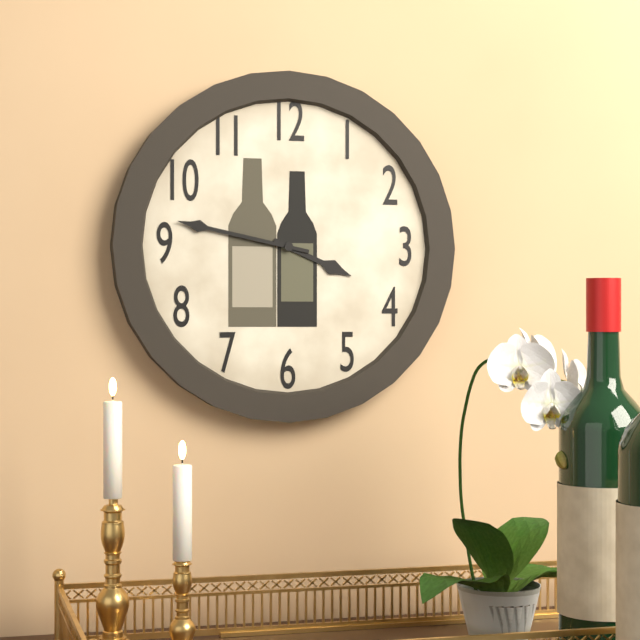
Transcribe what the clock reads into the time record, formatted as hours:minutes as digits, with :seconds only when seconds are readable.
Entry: 3:47
